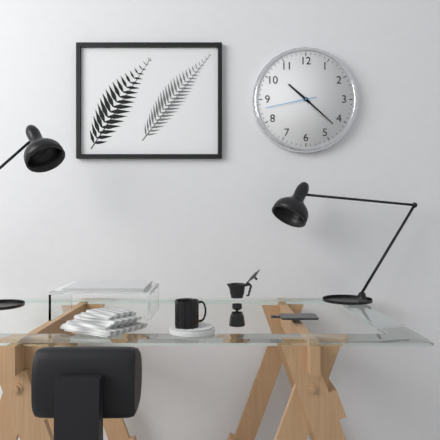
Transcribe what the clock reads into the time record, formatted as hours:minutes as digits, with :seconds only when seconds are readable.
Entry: 10:22:43
